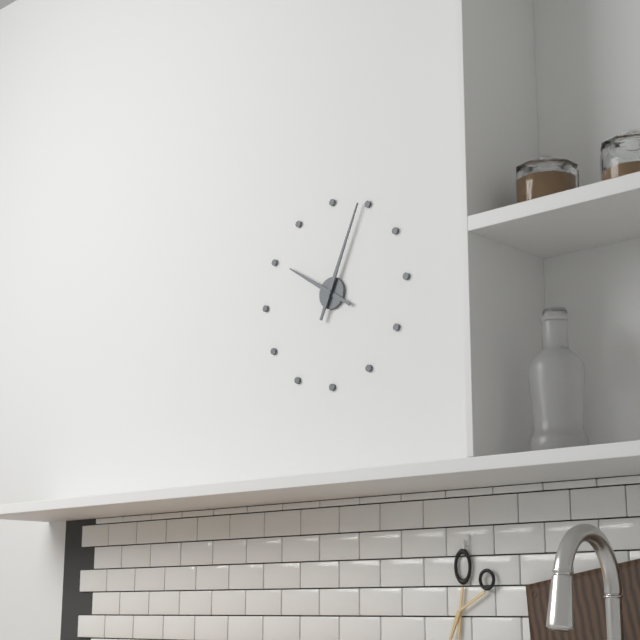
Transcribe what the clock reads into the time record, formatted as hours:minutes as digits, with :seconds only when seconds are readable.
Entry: 10:04
